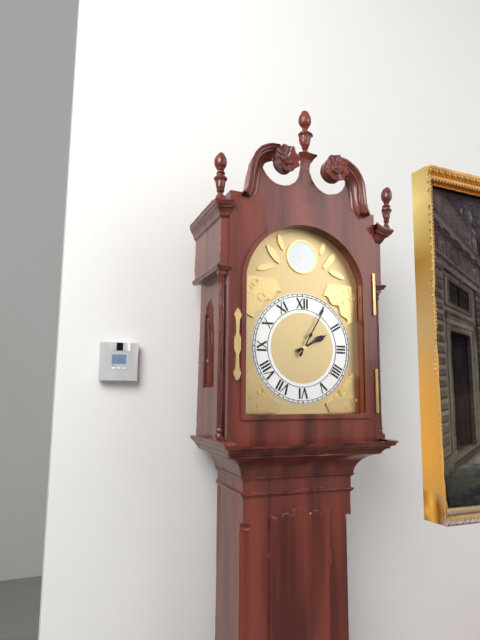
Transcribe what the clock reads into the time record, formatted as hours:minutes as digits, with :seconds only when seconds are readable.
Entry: 2:05
